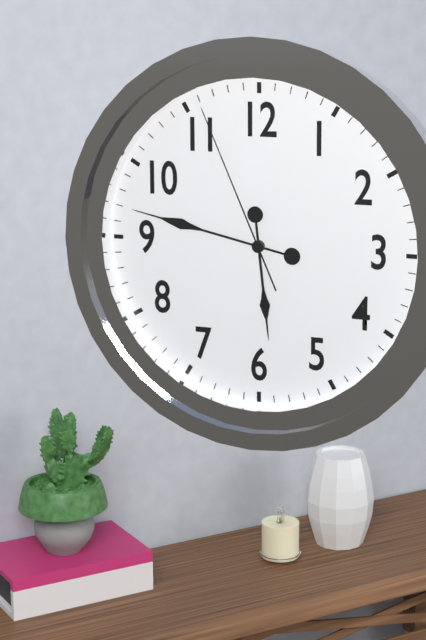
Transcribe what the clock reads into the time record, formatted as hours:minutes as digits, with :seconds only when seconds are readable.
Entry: 5:47:56
